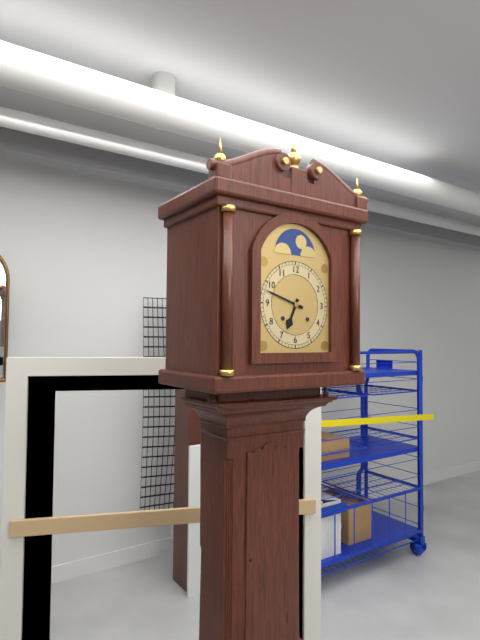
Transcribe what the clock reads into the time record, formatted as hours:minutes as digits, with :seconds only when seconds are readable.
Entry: 6:48
